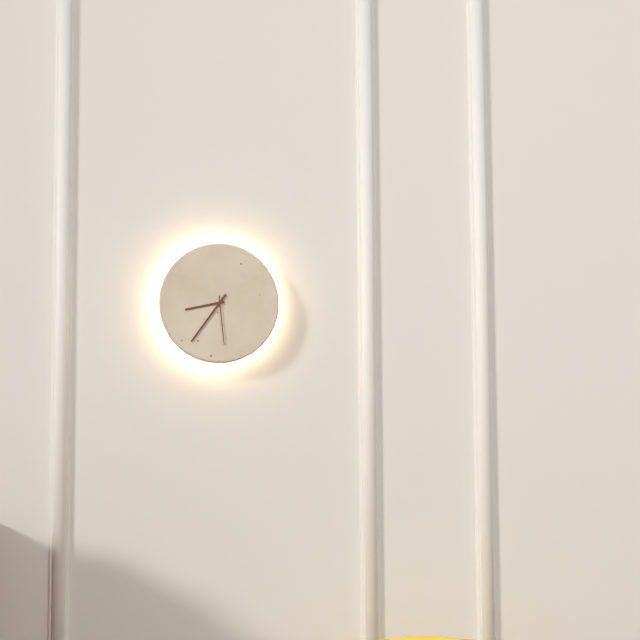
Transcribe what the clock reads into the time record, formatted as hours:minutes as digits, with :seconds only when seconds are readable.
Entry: 8:36:29
